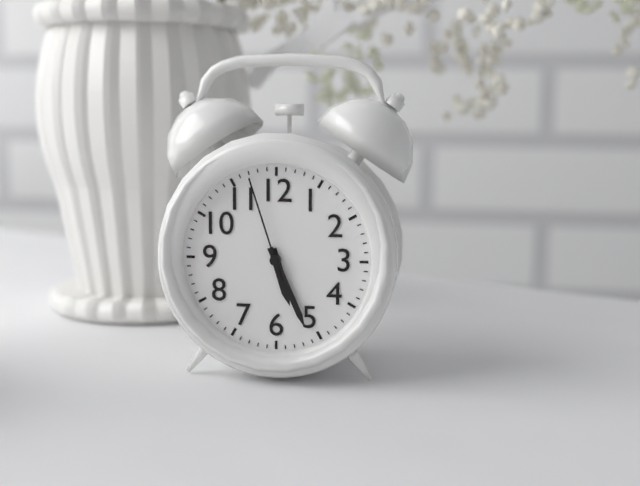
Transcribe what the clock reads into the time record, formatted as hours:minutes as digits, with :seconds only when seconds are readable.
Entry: 5:26:57
